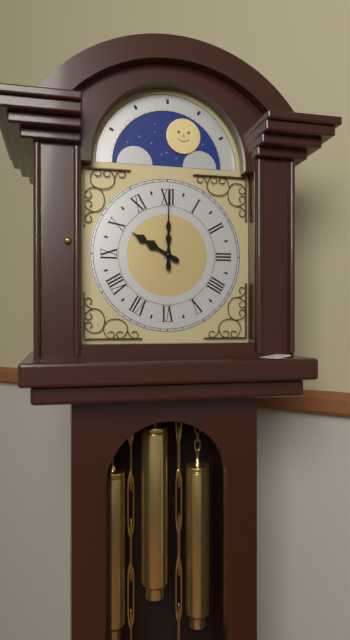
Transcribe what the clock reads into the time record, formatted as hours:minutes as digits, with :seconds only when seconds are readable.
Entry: 10:00
